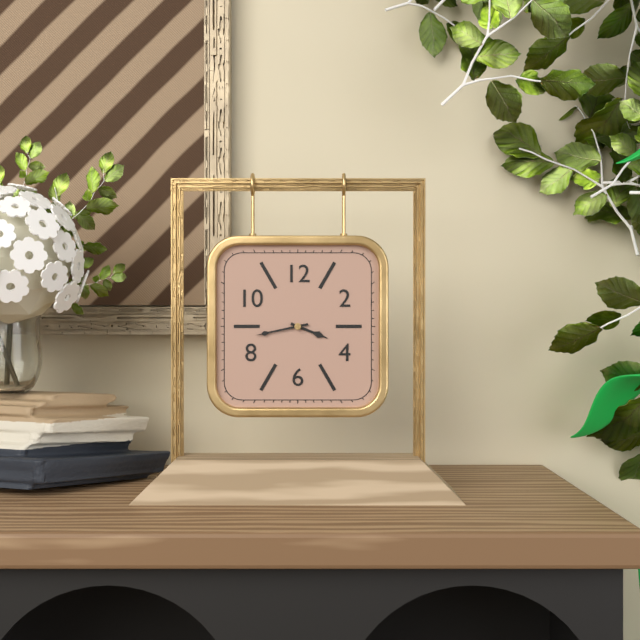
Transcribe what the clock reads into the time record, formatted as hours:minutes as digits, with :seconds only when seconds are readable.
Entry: 3:43
